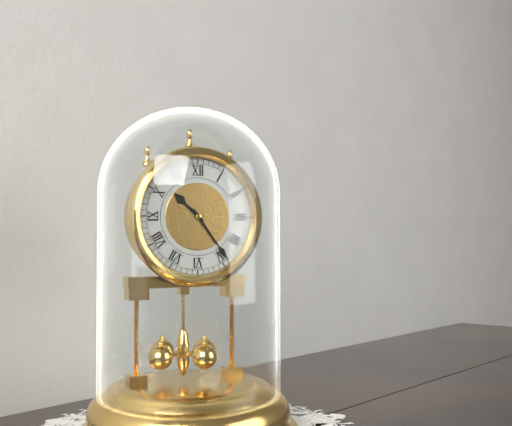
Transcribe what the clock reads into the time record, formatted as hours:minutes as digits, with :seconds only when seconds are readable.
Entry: 10:24
